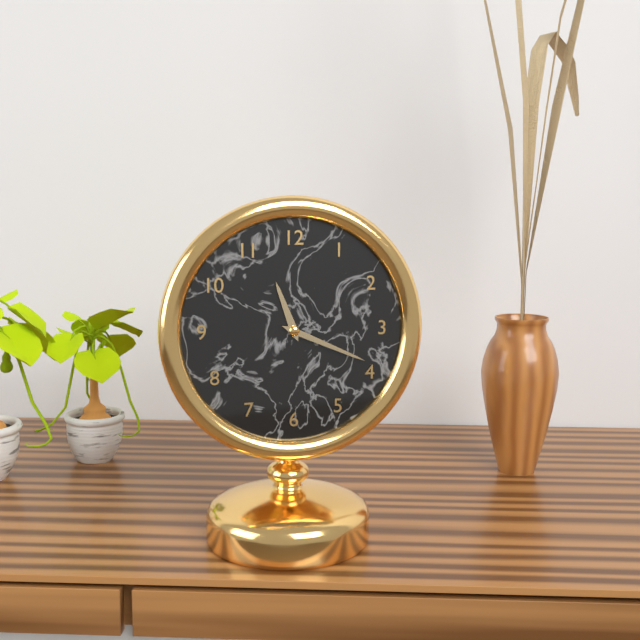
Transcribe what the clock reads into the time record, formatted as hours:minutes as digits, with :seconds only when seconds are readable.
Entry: 11:19
